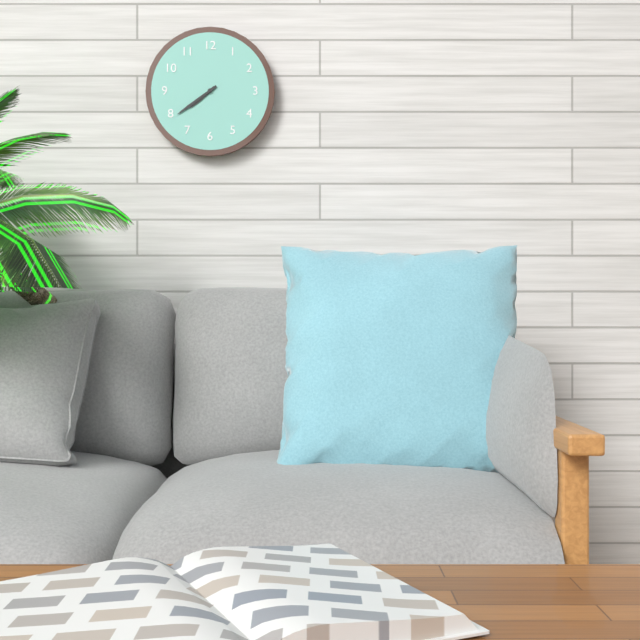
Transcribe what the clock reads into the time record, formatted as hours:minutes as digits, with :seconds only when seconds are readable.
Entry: 7:39
